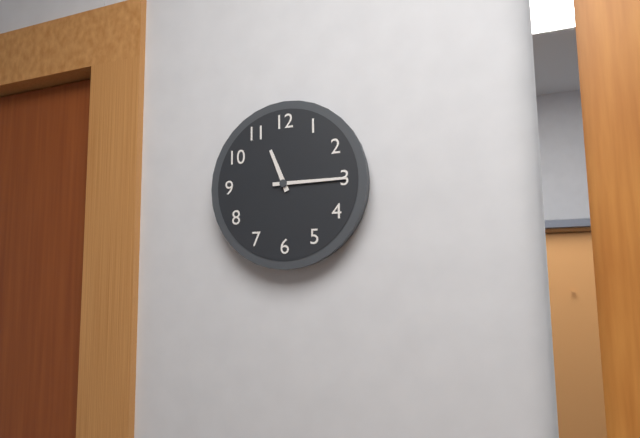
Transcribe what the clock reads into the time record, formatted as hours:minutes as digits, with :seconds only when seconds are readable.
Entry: 11:15
